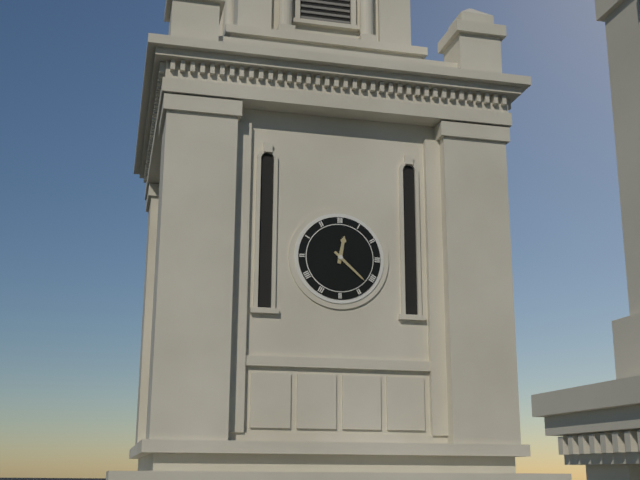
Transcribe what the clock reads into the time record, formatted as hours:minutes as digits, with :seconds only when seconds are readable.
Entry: 12:22
